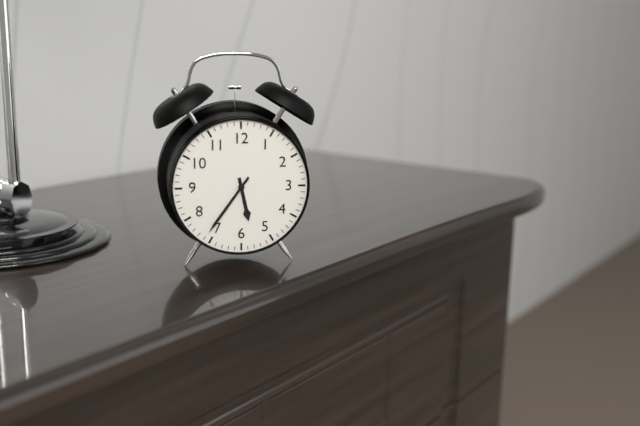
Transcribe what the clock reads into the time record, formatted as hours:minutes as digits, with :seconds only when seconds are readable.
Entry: 5:36
